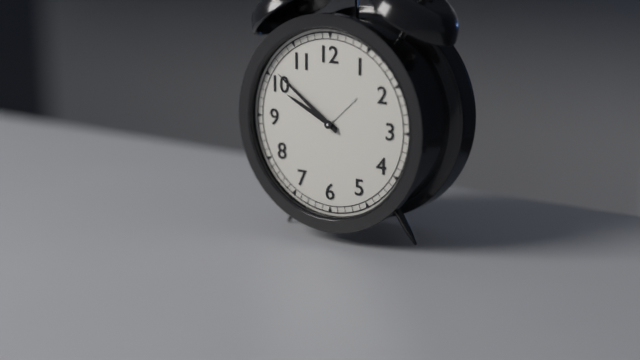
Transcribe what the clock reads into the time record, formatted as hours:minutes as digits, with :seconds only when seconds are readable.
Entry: 9:51
